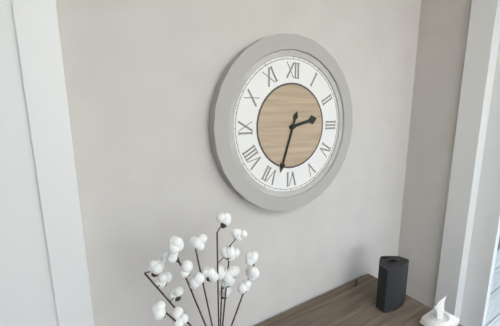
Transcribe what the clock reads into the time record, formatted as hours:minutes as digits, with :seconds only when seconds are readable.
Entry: 2:33
